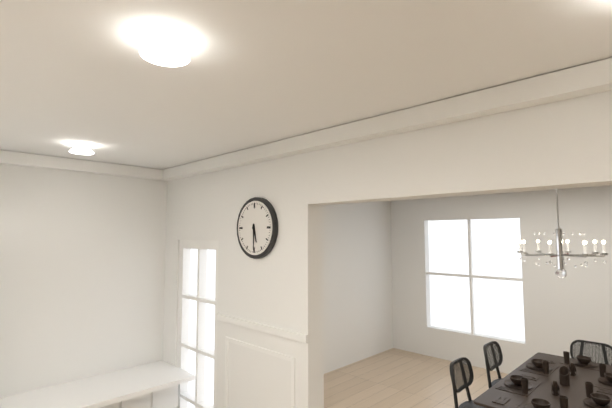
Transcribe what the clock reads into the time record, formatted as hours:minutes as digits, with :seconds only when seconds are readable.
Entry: 5:30
